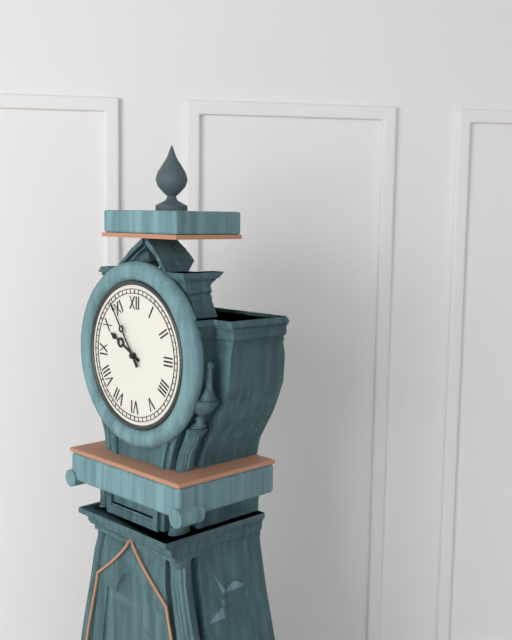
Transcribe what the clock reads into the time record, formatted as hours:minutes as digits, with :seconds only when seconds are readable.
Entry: 9:54
